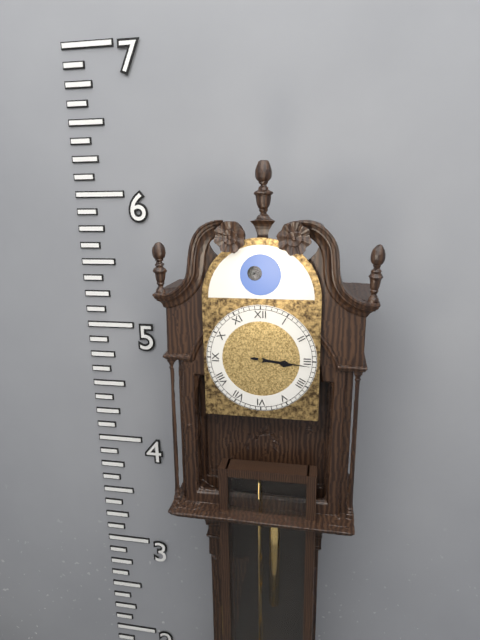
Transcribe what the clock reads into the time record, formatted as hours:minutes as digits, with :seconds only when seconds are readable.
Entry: 3:16
